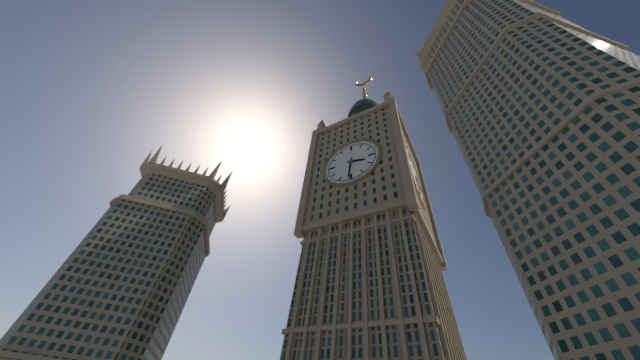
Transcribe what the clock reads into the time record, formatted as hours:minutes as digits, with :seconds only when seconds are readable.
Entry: 3:31
